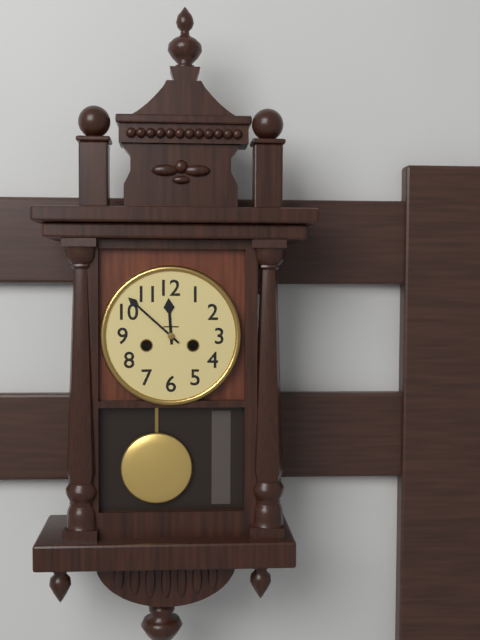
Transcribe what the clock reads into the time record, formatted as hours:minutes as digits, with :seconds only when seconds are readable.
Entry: 11:52
